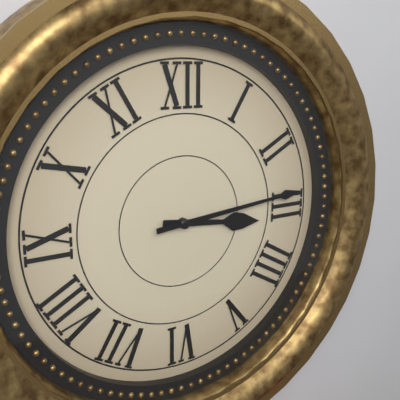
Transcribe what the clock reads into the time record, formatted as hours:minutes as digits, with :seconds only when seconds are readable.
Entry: 3:14
